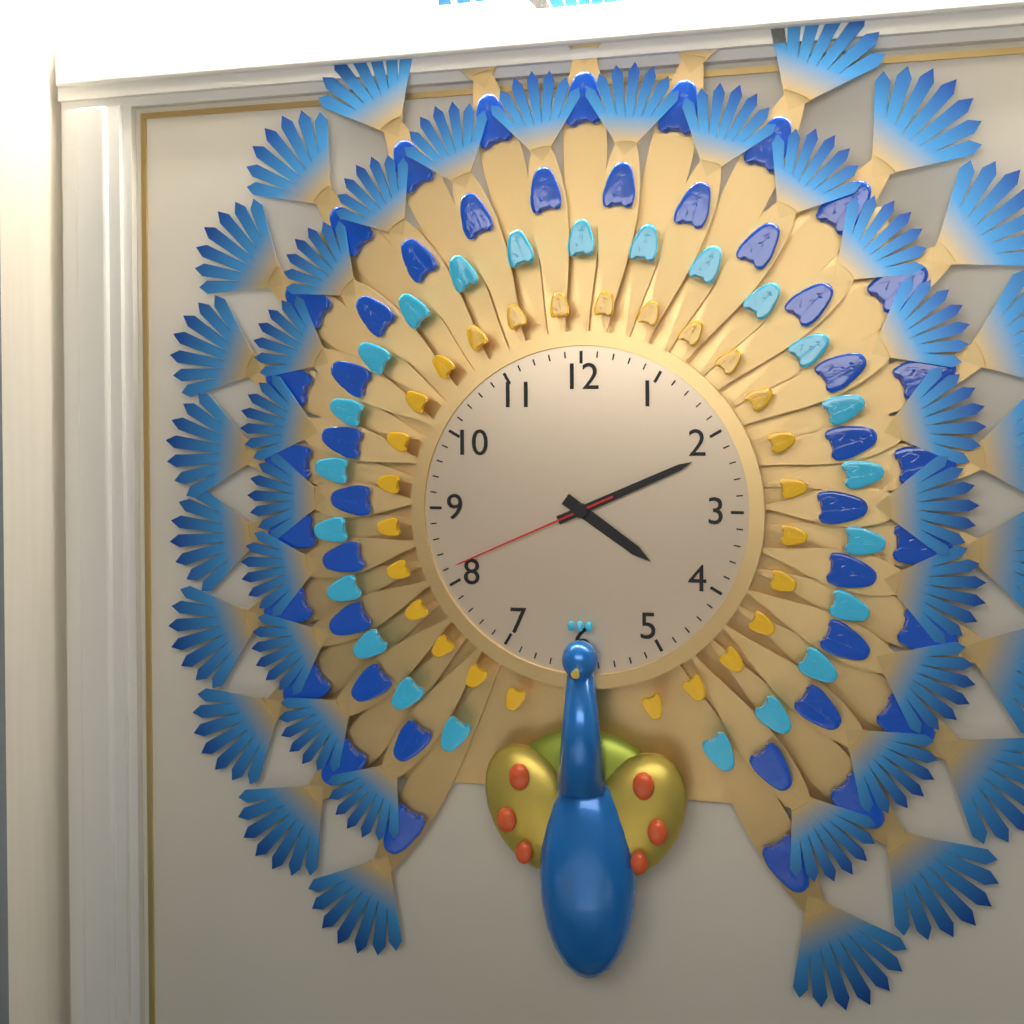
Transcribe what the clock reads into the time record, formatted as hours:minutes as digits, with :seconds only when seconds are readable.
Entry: 4:11:41
